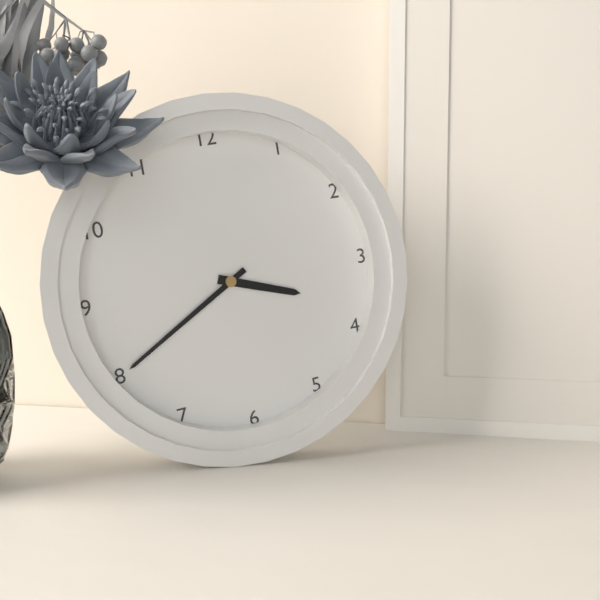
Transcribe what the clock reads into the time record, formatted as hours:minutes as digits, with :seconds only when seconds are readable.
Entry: 3:40
